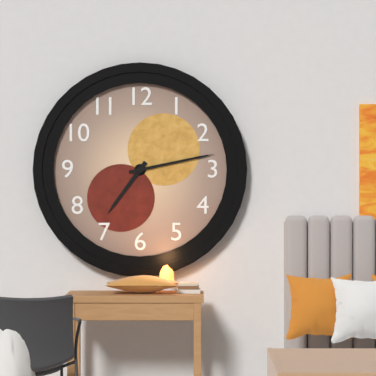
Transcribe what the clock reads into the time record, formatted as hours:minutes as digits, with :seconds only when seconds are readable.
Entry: 7:13
